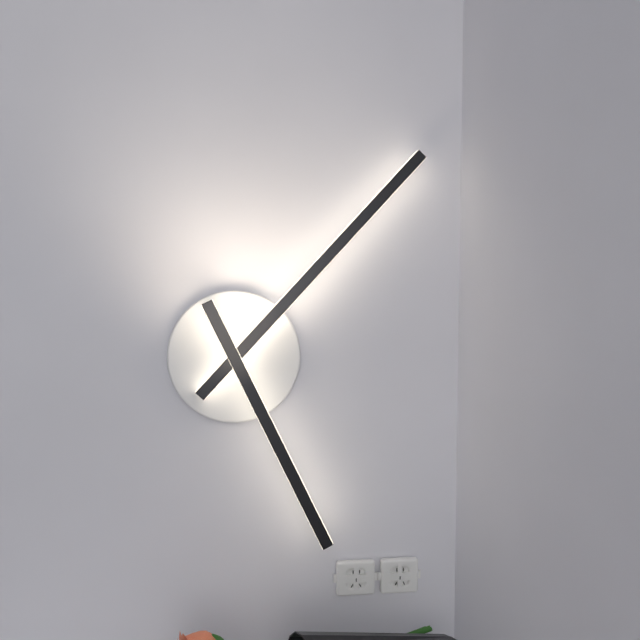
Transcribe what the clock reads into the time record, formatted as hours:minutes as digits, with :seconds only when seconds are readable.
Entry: 5:07
